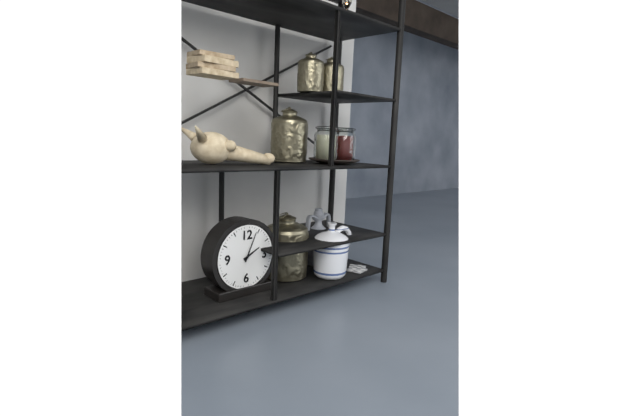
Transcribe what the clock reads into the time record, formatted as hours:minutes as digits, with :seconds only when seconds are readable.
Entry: 2:04
